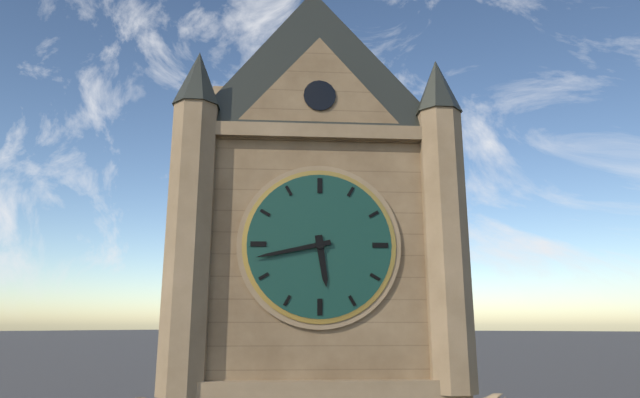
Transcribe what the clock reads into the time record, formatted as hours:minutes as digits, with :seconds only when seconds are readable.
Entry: 5:43
